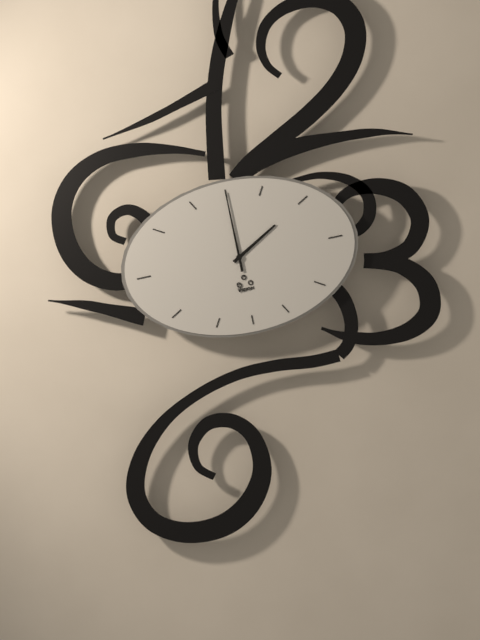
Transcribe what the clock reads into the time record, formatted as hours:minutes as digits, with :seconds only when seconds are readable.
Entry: 2:00
